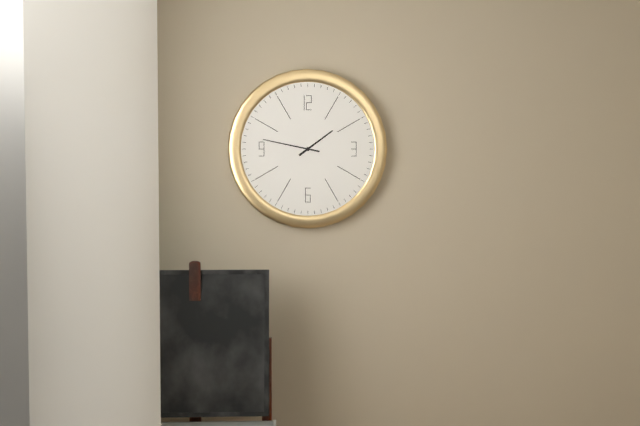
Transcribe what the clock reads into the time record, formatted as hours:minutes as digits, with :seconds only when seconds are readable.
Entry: 1:47
